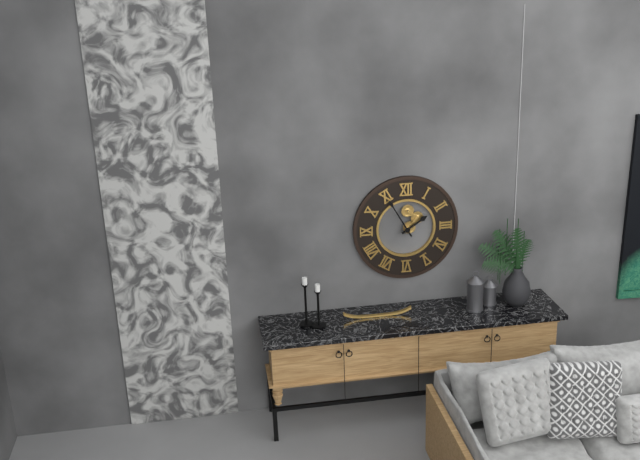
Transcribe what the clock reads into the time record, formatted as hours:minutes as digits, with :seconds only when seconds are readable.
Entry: 1:55
